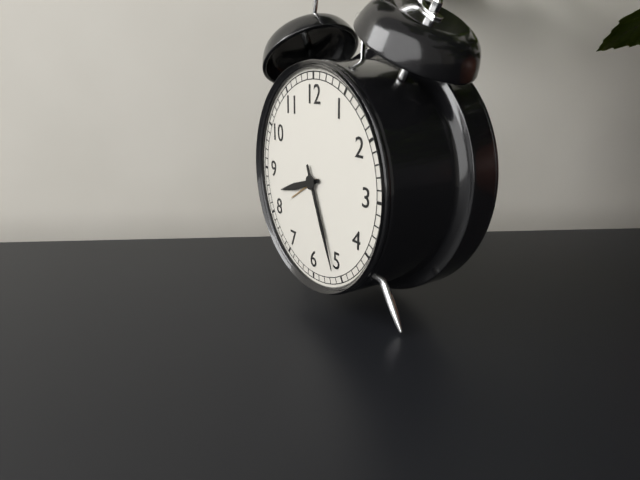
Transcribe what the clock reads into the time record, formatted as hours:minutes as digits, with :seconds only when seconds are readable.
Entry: 8:26
